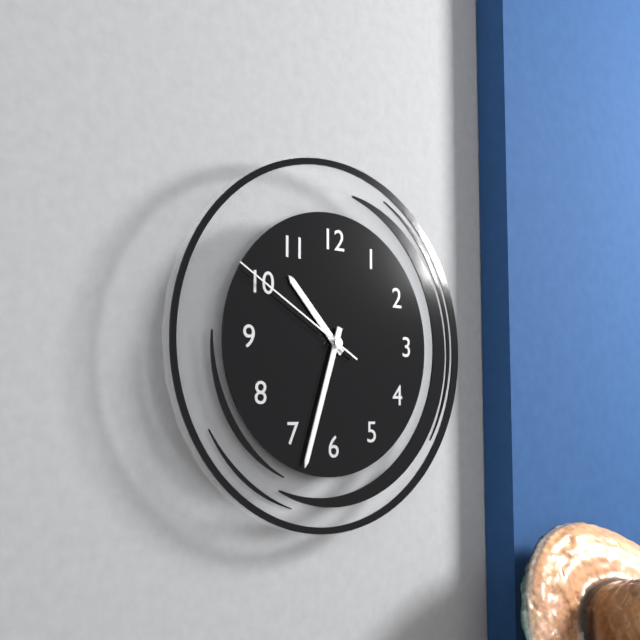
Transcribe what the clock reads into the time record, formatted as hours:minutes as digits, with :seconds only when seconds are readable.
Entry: 10:33:50
